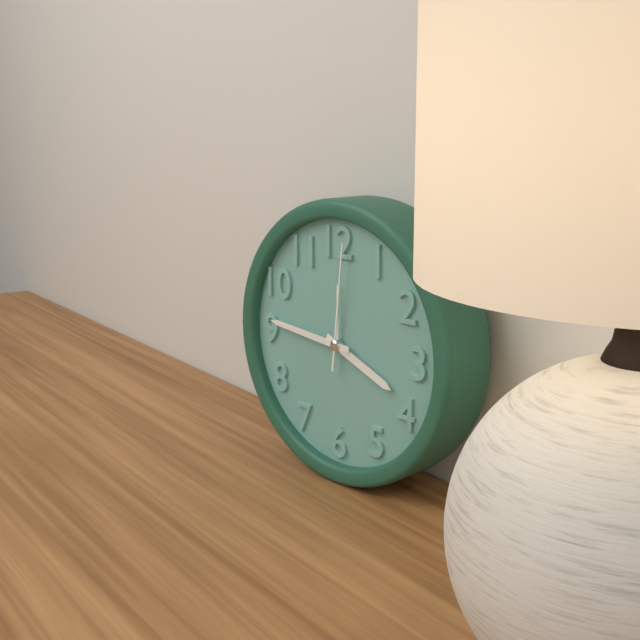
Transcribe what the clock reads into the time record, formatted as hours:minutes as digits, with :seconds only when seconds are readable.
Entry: 3:46:01
